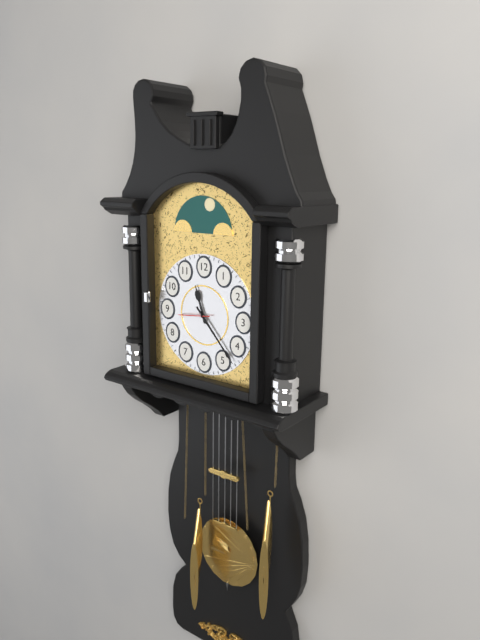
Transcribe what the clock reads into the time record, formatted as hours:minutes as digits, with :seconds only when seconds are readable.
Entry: 11:23
